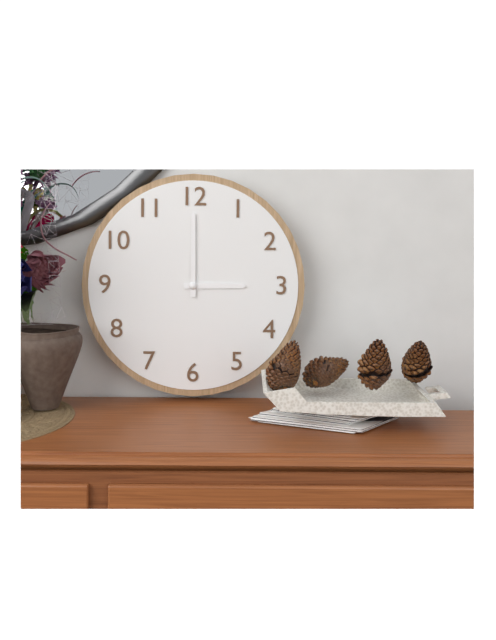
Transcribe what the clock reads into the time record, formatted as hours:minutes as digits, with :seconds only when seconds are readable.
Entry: 3:00
